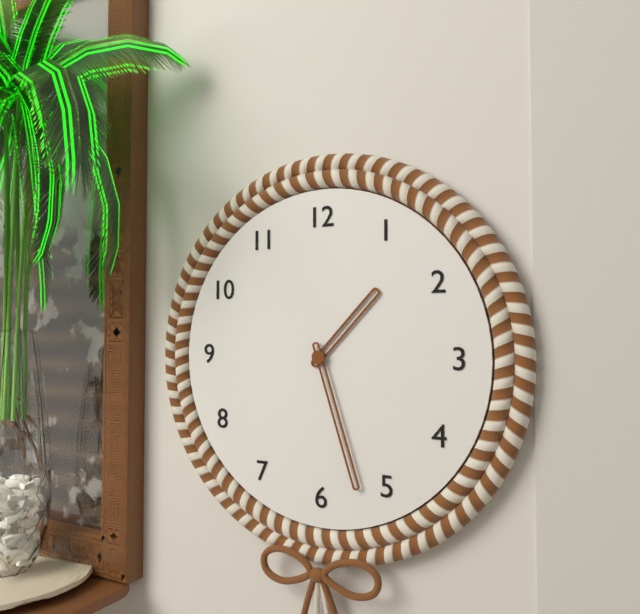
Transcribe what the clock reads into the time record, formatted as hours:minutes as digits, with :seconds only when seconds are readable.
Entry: 1:27
